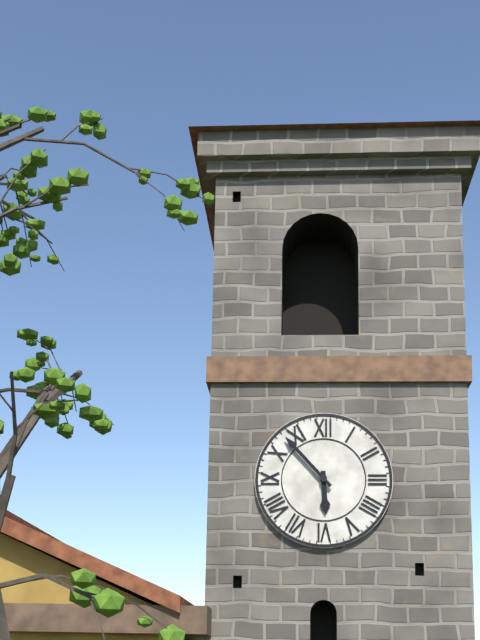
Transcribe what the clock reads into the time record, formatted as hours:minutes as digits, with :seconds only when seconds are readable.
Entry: 5:53
